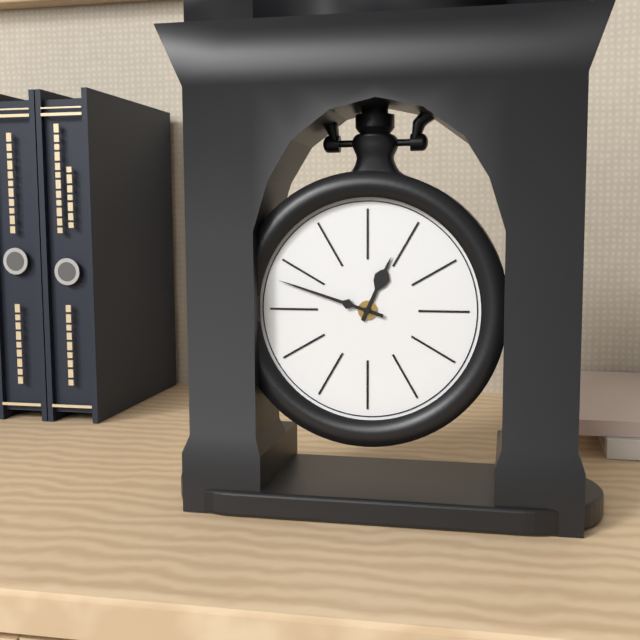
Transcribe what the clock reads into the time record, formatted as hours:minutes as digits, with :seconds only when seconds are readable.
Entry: 12:48
